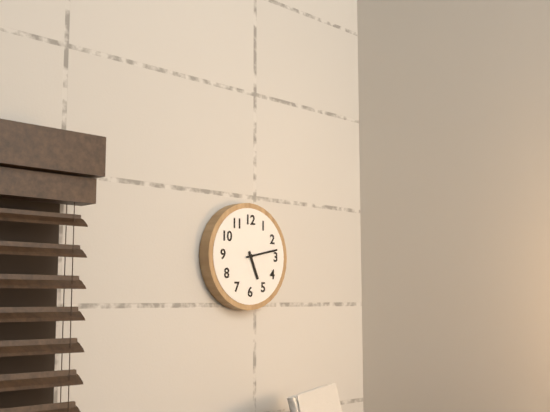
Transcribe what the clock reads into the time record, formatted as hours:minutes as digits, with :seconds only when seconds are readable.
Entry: 5:13
